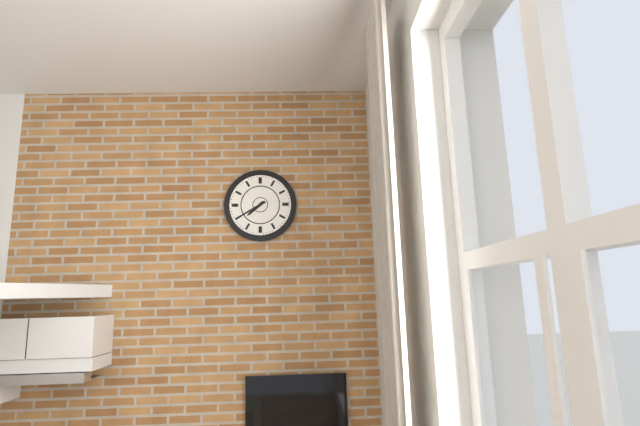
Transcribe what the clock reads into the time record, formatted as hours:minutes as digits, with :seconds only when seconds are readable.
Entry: 7:40
